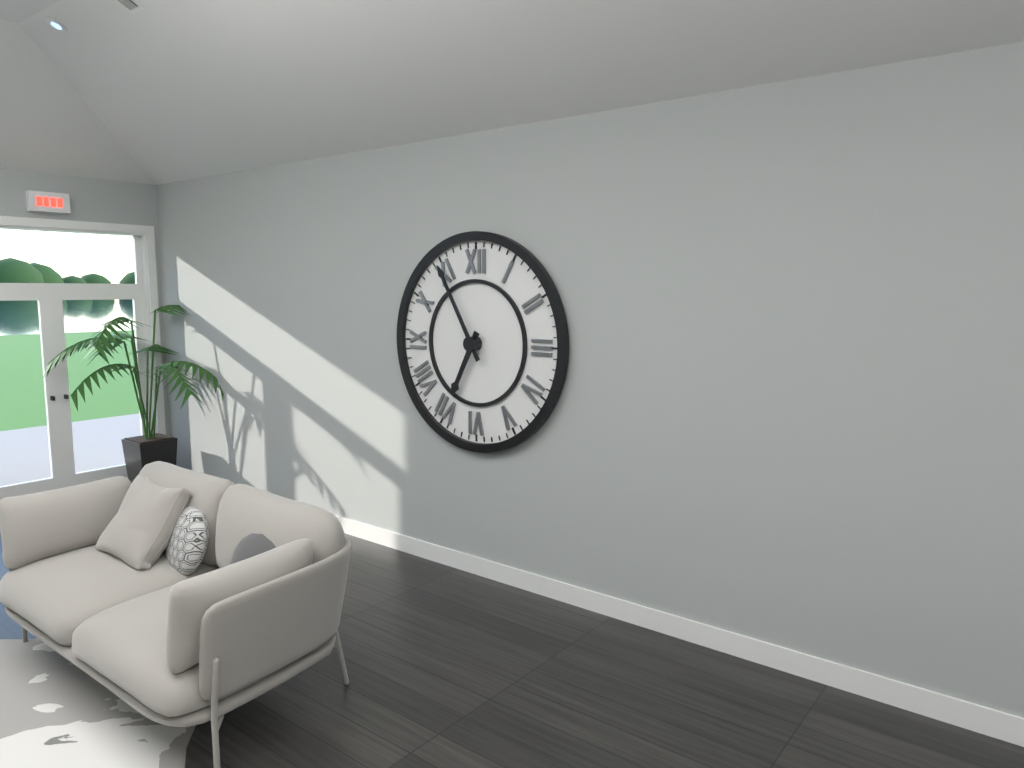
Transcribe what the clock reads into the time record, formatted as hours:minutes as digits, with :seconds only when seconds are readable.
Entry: 6:55
